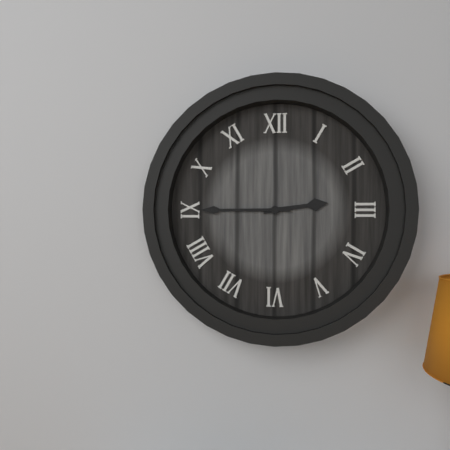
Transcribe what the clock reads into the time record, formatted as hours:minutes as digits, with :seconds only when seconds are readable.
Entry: 2:45
